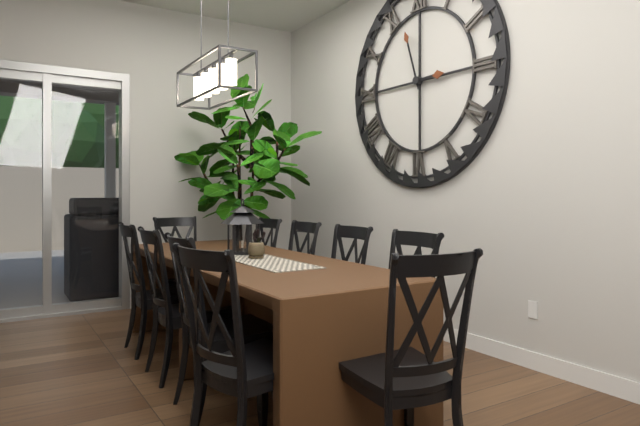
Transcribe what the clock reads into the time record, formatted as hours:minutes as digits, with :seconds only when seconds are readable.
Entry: 2:57
